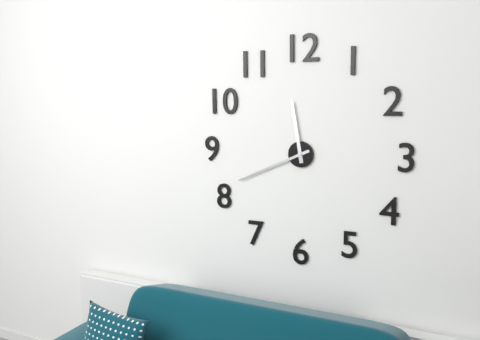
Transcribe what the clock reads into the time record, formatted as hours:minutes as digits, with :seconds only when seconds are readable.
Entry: 11:41
